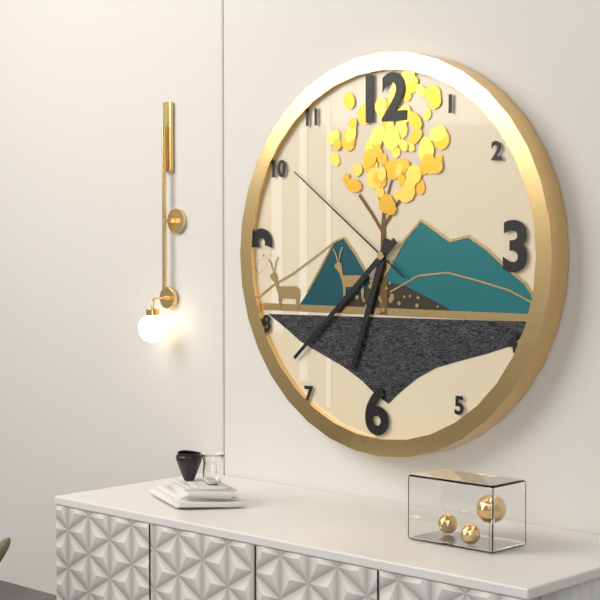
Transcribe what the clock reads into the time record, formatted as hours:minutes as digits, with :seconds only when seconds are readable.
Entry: 6:38:51
